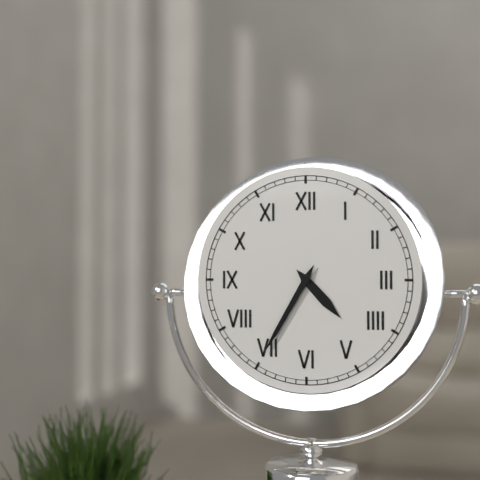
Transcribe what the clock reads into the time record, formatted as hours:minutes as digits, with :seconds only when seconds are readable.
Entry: 4:35
